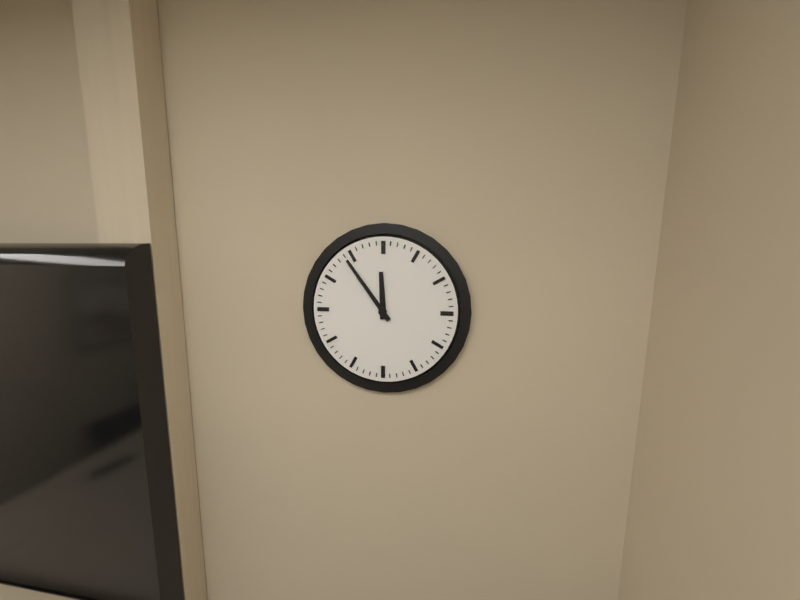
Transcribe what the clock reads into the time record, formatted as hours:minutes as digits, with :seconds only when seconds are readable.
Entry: 11:54
